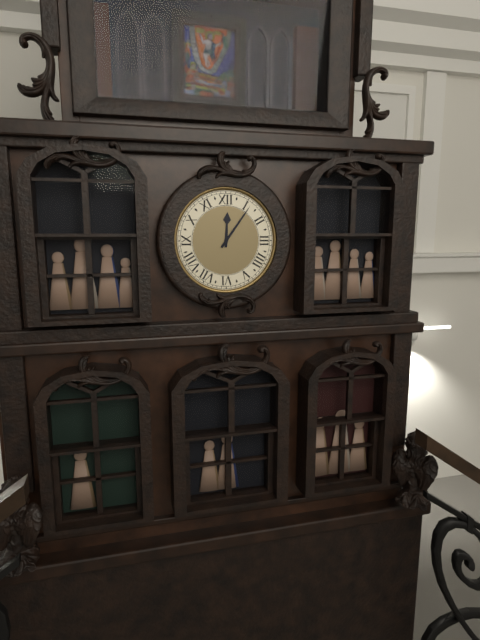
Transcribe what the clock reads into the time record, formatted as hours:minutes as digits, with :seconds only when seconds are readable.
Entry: 12:06
